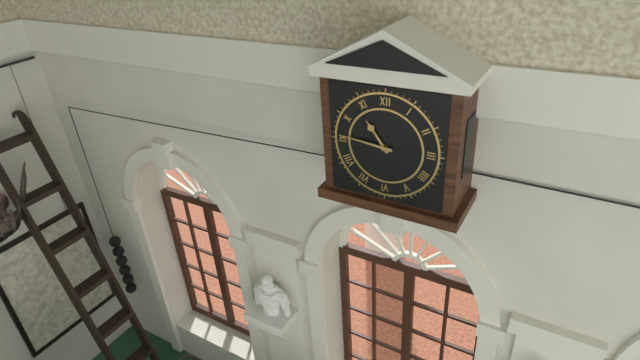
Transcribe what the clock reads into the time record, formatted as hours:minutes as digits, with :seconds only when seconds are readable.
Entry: 10:46
